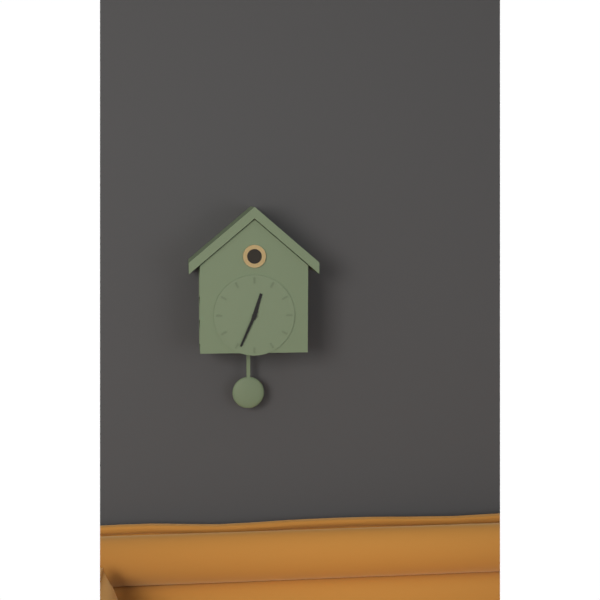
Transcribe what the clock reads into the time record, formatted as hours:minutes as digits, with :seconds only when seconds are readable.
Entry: 12:34
